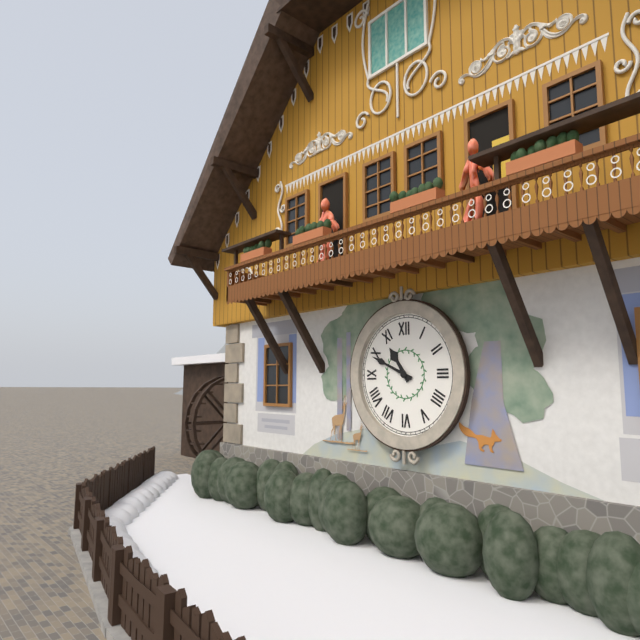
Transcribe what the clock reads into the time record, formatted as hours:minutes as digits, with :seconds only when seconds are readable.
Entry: 10:49
